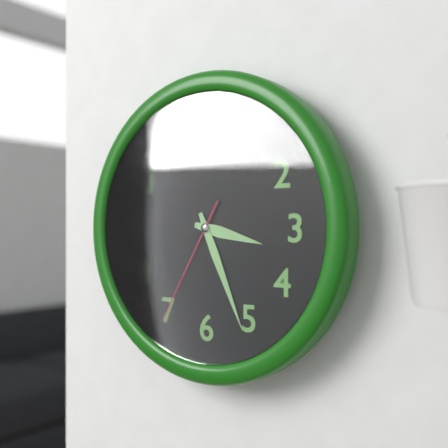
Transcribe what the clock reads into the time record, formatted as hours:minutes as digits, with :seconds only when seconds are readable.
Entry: 3:26:35
